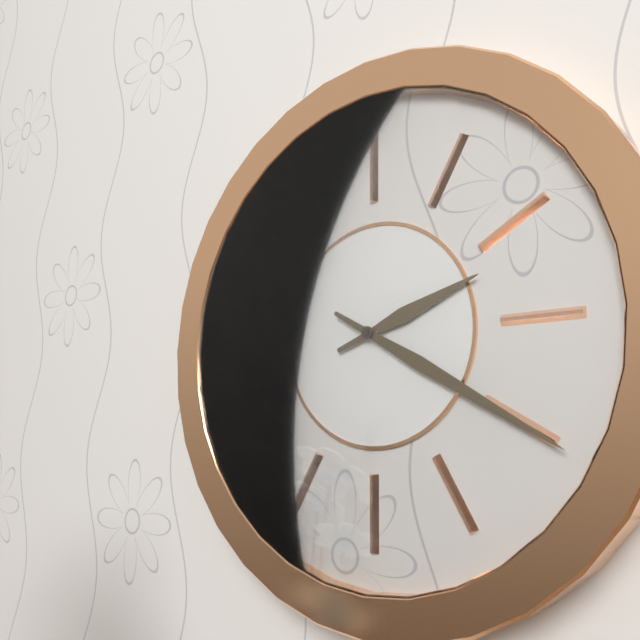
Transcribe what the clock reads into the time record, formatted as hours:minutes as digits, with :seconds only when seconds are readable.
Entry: 2:20
